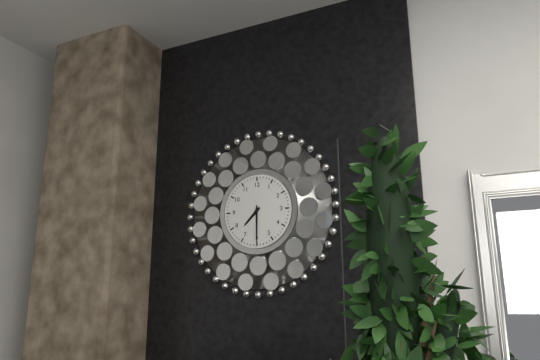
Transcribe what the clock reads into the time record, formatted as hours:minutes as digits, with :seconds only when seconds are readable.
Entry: 7:30
